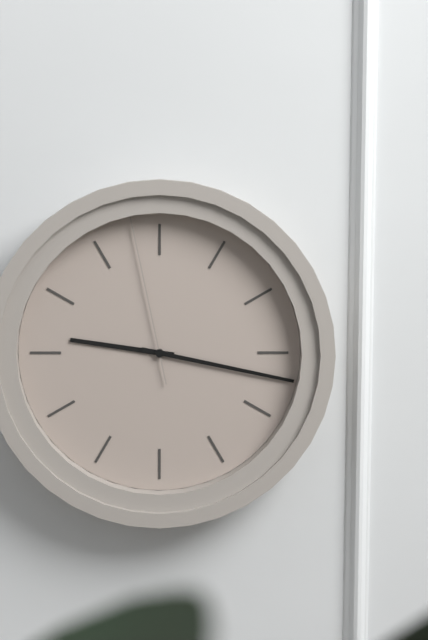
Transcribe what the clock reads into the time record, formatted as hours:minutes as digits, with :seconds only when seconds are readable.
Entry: 9:17:58
